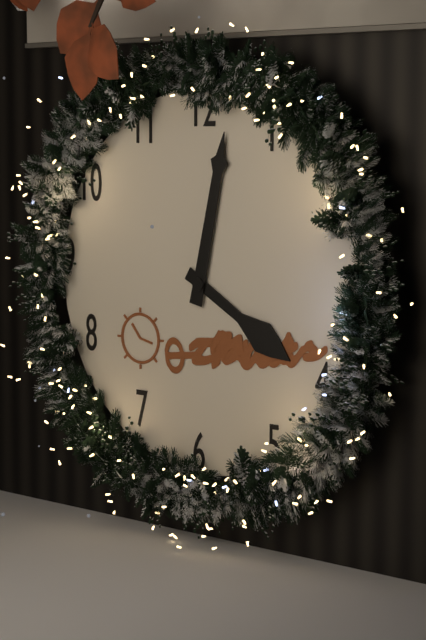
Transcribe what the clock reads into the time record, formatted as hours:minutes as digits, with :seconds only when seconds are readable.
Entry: 4:02
